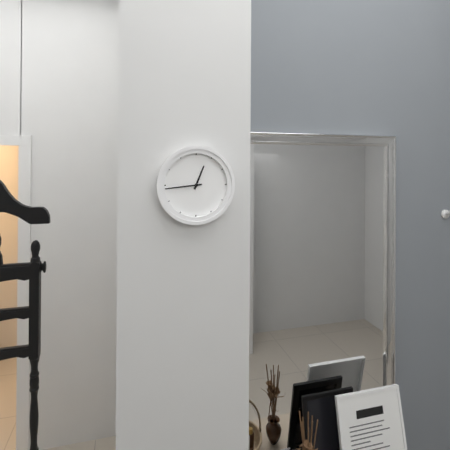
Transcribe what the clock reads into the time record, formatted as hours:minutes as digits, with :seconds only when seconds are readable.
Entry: 12:44
